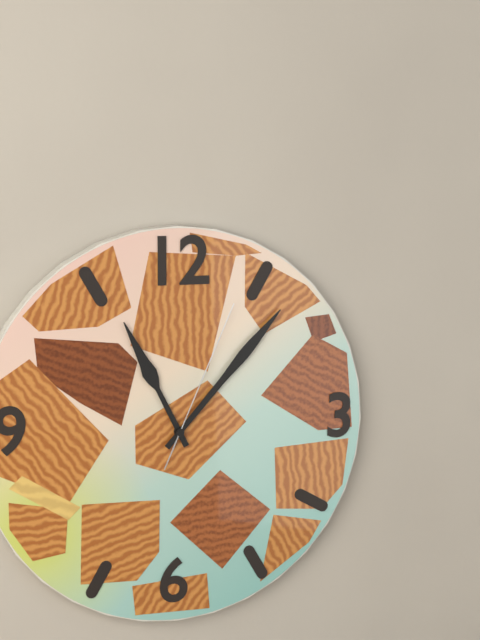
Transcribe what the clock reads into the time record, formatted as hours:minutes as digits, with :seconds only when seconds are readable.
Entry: 11:07:04
